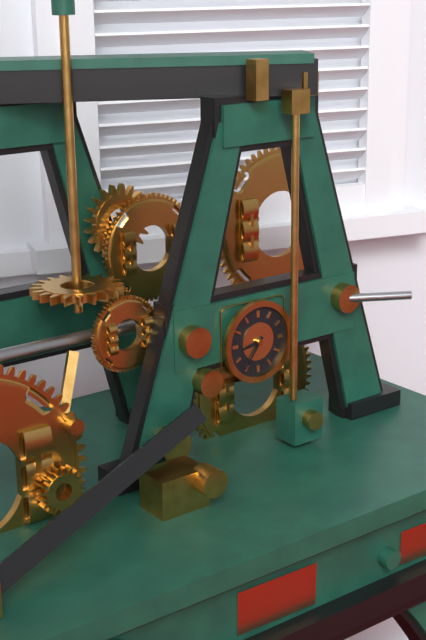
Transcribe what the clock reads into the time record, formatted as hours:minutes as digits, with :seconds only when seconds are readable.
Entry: 8:36
